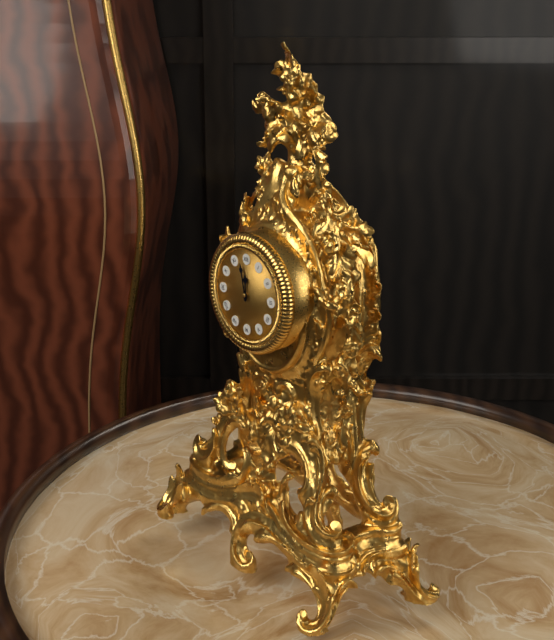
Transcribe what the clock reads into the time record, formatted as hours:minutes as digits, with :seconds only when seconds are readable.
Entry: 11:58
